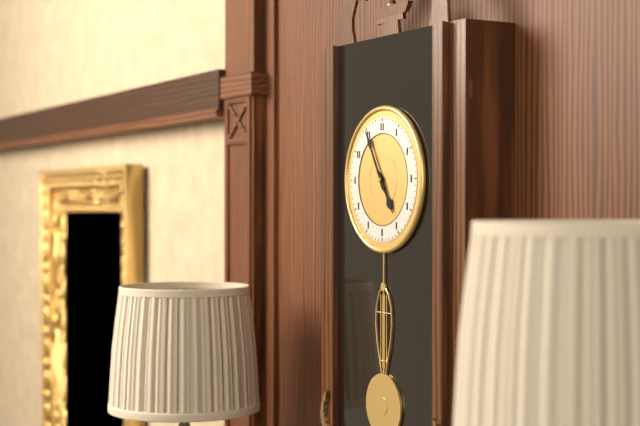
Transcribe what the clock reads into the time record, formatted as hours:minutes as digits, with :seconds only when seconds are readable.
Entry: 4:55
